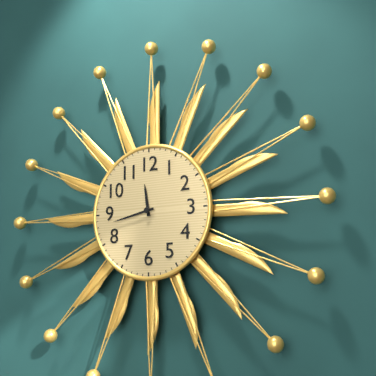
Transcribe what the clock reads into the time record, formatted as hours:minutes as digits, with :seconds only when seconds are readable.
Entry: 11:43
